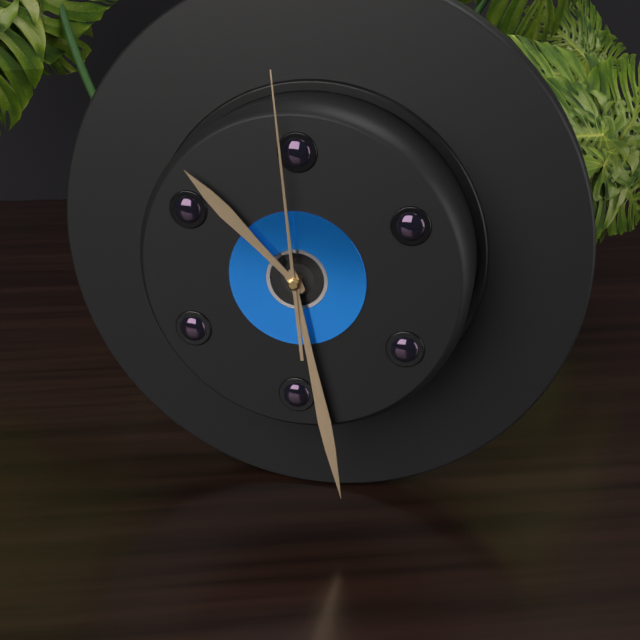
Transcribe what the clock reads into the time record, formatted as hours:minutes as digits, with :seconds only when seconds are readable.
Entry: 10:28:59
